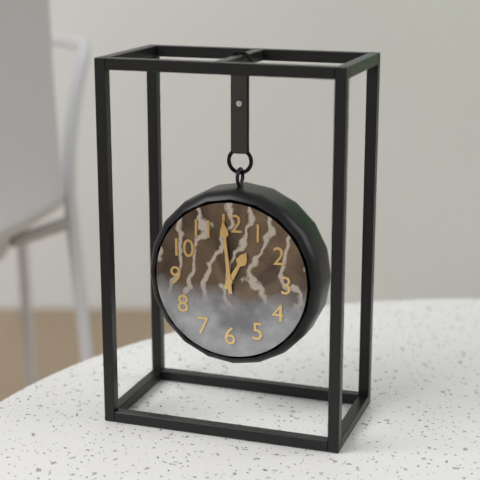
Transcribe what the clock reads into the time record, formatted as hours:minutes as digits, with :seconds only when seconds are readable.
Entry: 12:59
